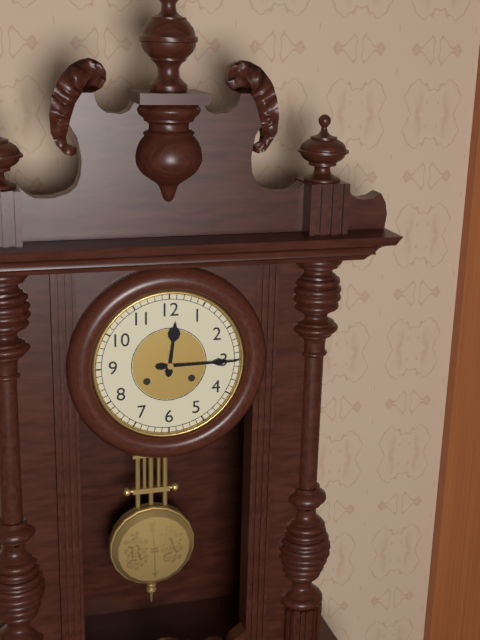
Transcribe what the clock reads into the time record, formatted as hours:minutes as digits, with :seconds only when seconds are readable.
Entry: 12:15
